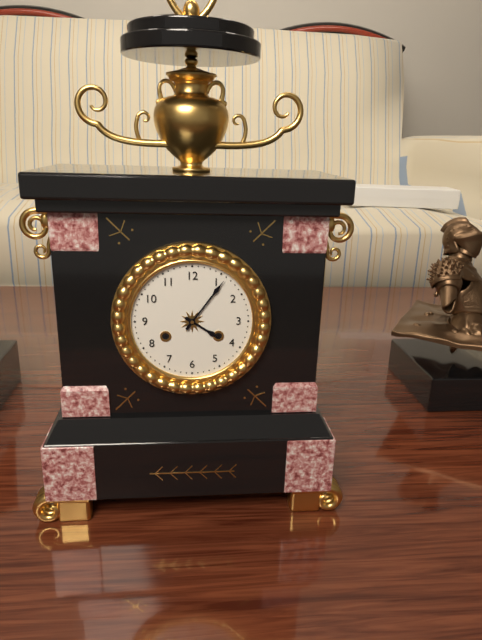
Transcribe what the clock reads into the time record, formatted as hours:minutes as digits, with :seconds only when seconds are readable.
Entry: 4:06
